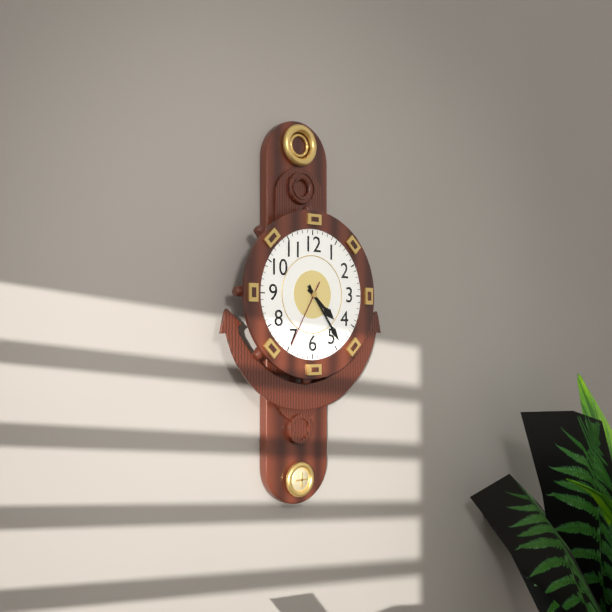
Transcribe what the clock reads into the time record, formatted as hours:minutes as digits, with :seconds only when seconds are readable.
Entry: 4:24:35
